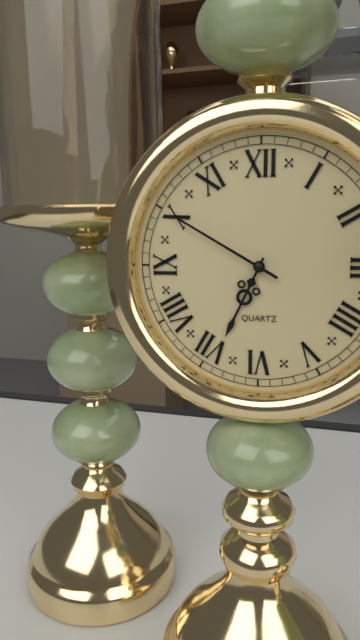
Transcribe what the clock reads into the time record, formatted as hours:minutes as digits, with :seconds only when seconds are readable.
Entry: 6:50
